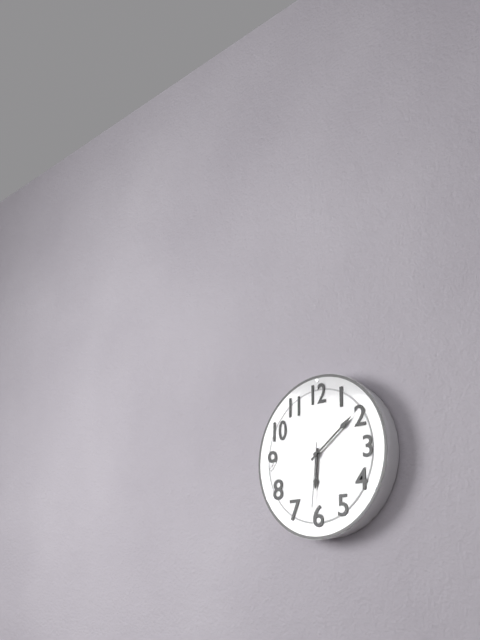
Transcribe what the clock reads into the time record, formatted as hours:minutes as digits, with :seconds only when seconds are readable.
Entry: 6:09:31
